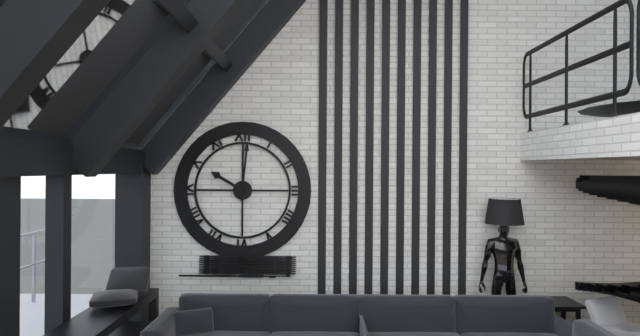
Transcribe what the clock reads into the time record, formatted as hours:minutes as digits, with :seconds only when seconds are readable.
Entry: 10:01
